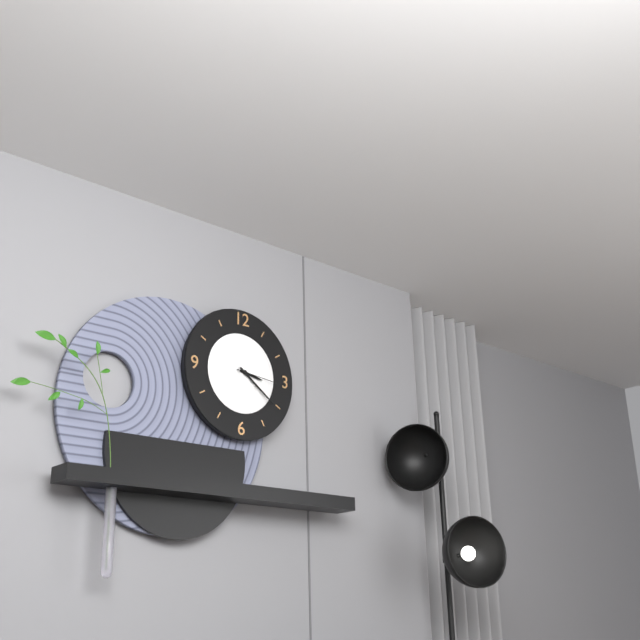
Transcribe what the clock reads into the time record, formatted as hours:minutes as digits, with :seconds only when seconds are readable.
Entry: 3:21
